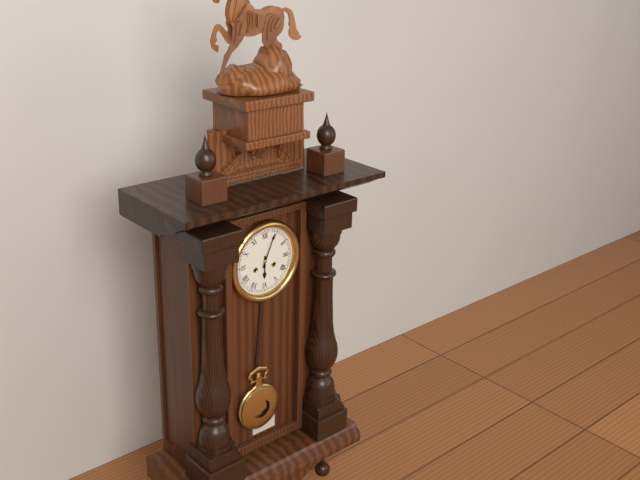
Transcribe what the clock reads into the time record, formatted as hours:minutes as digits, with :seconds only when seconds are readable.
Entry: 6:04
